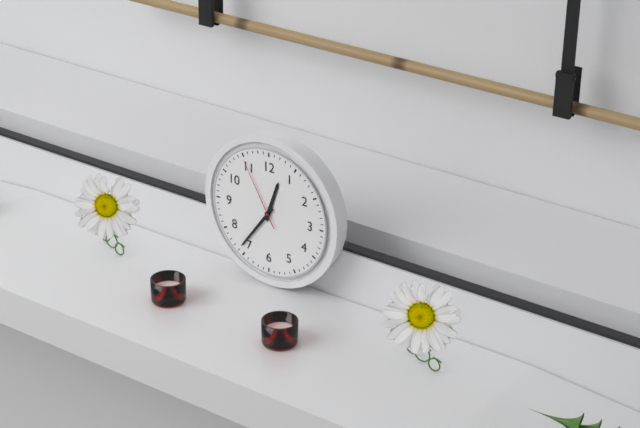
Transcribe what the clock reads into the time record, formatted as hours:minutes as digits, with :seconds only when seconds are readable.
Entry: 12:36:55
